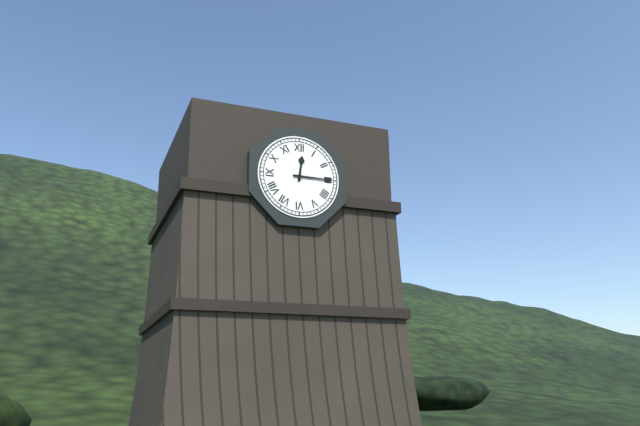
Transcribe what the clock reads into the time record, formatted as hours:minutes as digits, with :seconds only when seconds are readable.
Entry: 12:15
